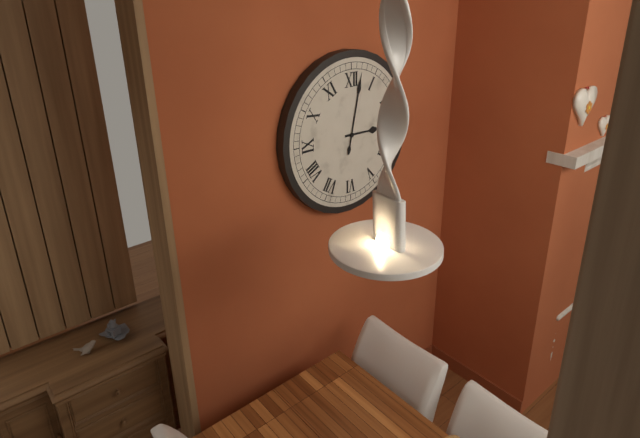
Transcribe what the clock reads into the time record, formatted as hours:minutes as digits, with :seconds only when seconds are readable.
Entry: 3:02
